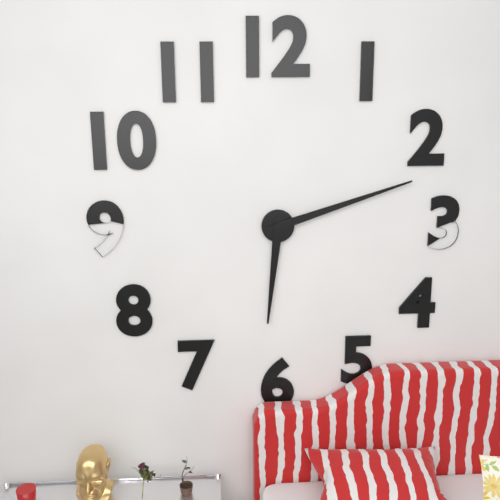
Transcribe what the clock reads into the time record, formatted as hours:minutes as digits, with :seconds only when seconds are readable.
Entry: 6:12
